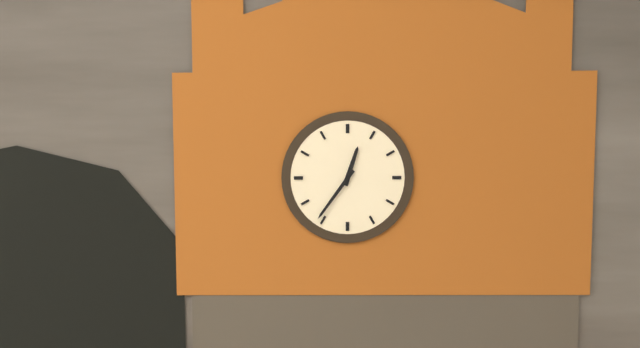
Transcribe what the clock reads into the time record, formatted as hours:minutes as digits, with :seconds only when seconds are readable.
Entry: 12:36
